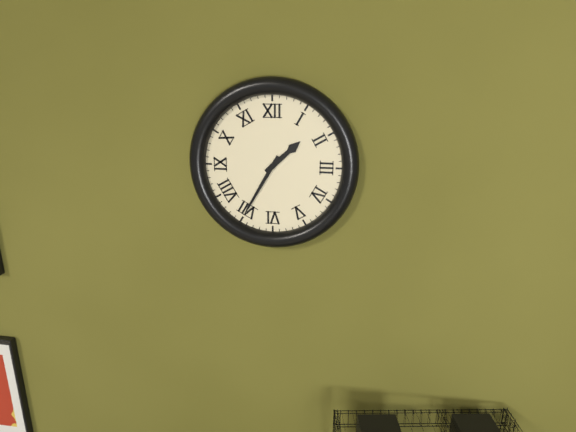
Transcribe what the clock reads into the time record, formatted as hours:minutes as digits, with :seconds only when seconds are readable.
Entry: 1:35
